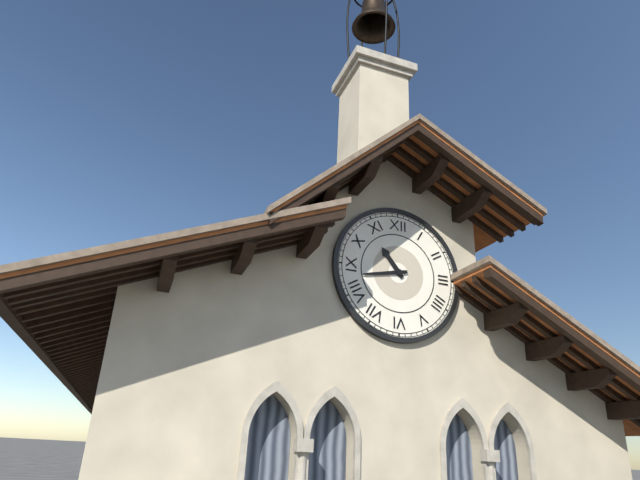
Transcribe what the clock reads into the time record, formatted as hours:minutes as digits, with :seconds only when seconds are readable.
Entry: 10:43
